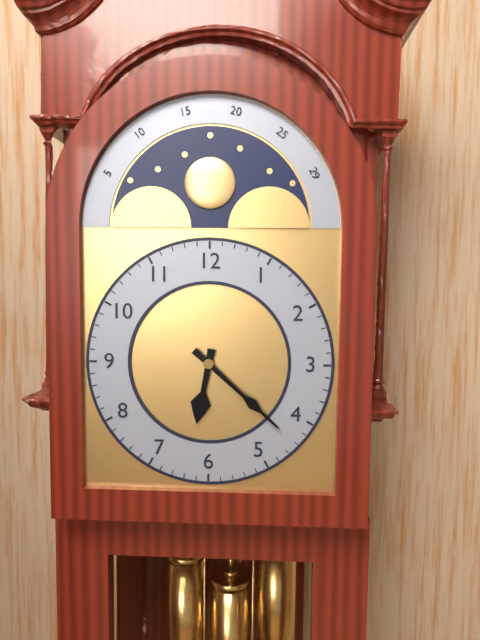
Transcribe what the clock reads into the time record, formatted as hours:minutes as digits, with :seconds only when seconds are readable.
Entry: 6:22
